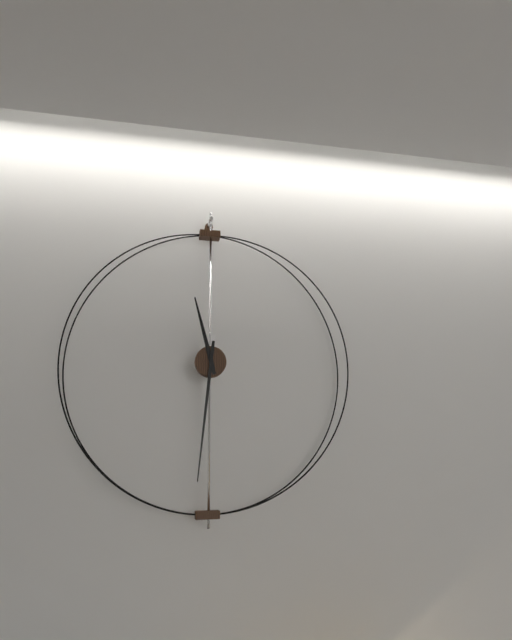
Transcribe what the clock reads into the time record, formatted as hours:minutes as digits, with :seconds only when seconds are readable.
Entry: 11:31
